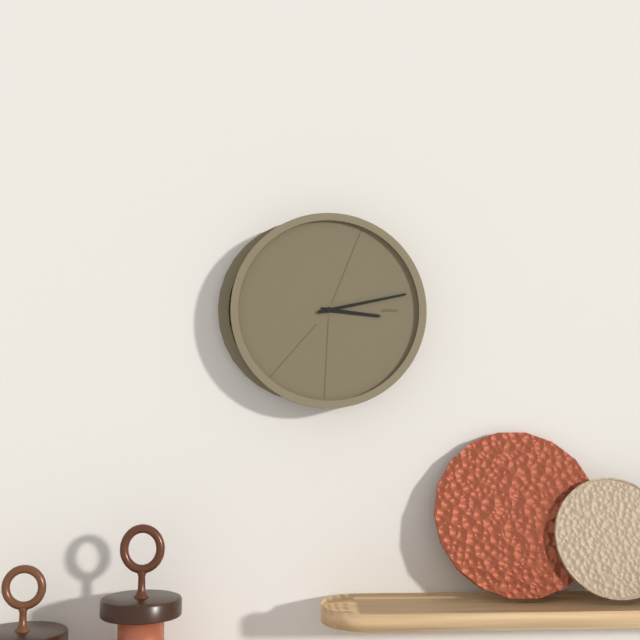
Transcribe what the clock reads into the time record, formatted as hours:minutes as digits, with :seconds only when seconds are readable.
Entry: 3:13
